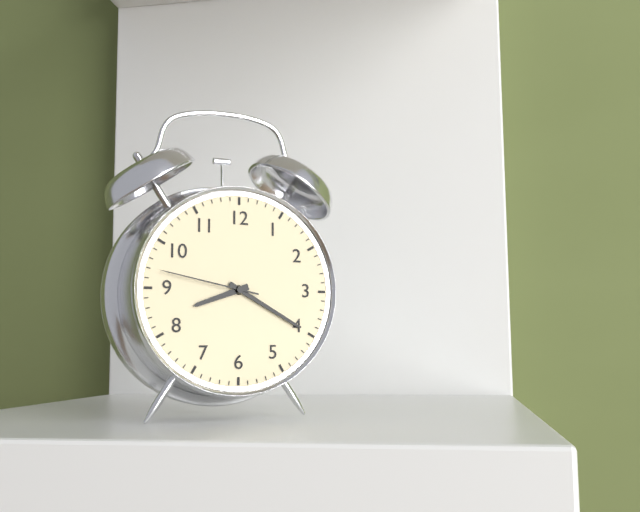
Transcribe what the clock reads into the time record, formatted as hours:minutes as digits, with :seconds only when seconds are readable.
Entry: 8:20:47
